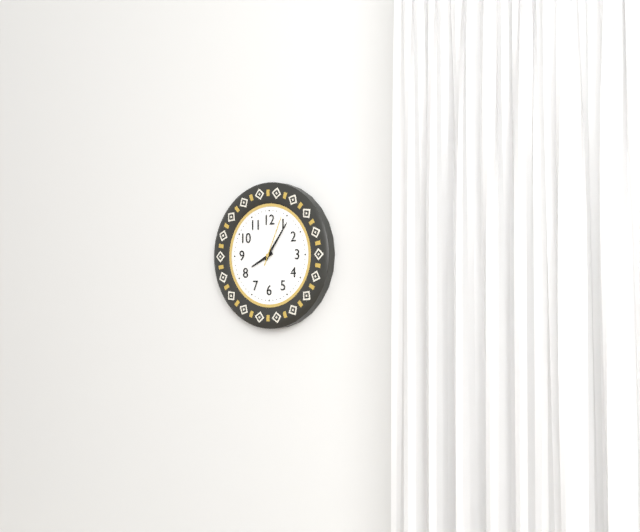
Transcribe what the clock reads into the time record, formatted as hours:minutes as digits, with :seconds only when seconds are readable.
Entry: 8:06:04
